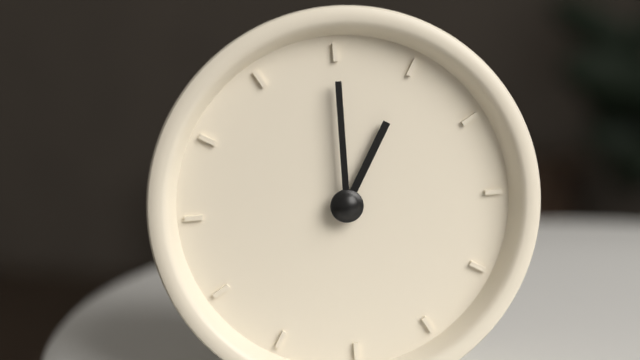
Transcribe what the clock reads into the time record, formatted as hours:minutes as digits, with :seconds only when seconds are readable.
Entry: 1:00
